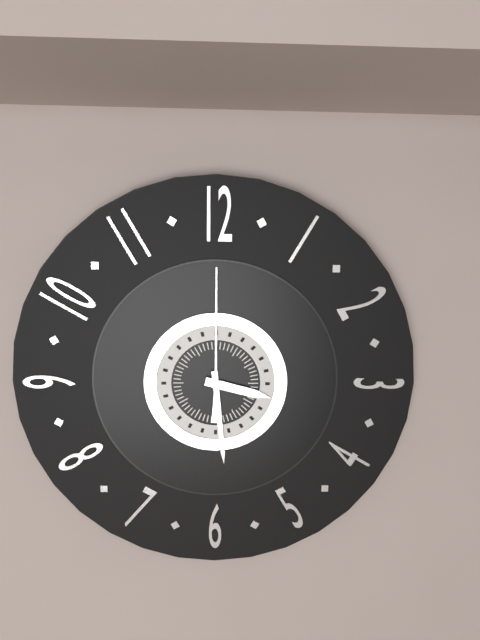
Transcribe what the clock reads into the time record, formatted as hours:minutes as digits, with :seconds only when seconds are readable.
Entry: 3:29:00
